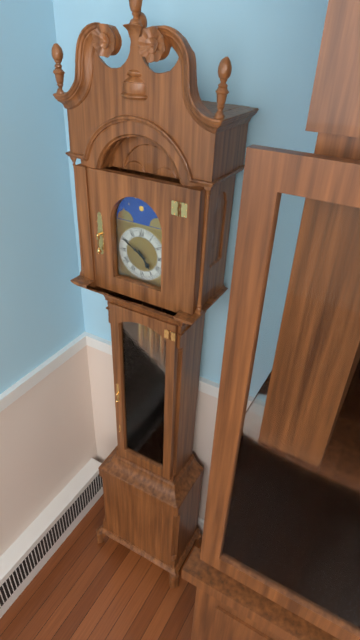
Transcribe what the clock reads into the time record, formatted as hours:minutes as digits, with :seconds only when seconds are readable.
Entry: 4:50
